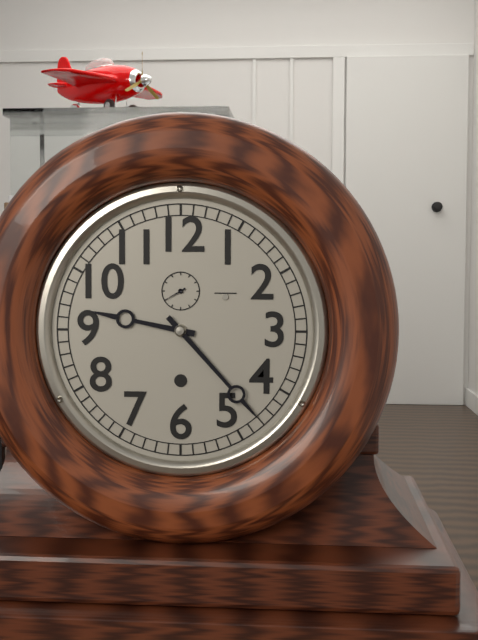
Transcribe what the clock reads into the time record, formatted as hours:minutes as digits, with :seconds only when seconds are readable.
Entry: 9:23
